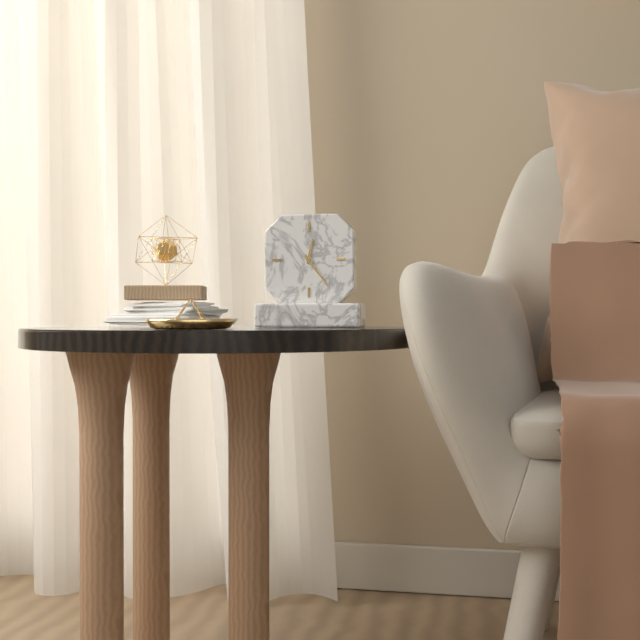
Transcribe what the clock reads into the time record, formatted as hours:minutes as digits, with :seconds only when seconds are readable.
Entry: 12:24
